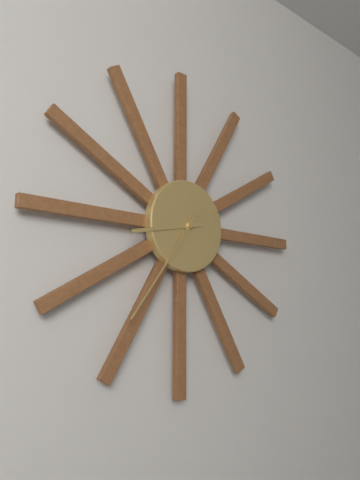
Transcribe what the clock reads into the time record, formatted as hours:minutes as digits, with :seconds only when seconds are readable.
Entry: 8:36
